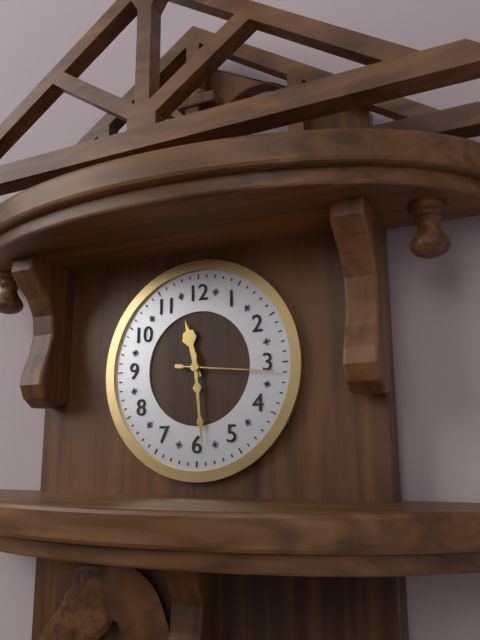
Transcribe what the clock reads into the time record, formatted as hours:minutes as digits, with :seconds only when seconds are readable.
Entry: 11:29:16
